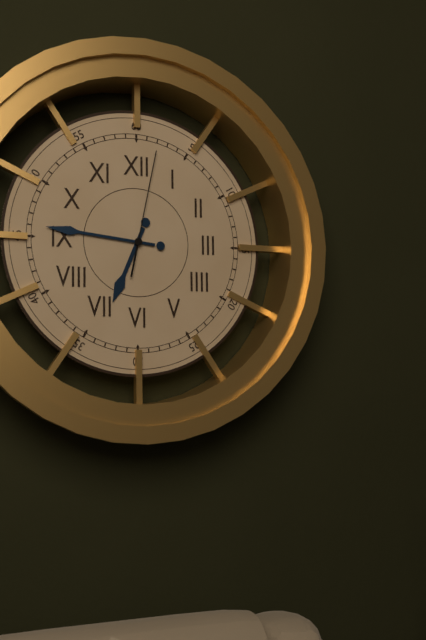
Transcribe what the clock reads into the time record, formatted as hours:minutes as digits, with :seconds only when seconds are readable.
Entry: 6:46:02
